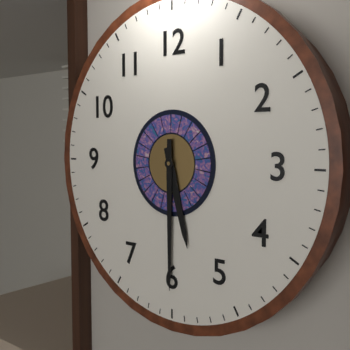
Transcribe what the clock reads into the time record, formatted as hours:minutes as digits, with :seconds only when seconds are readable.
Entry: 5:30
